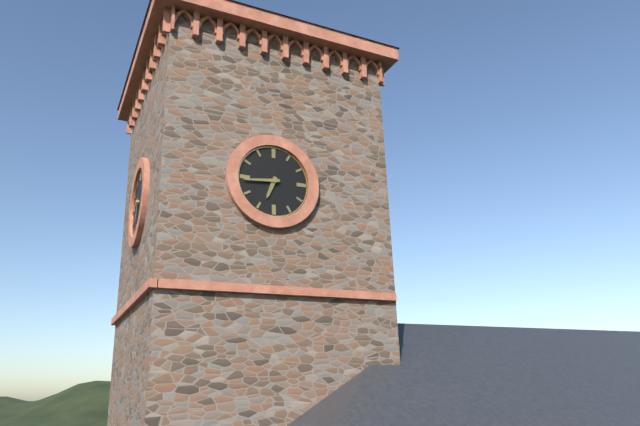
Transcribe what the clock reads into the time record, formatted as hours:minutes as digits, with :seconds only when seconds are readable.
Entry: 6:44
